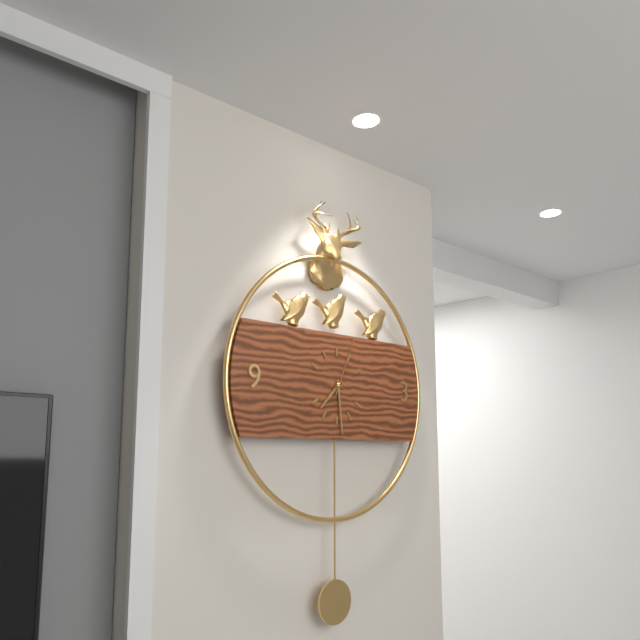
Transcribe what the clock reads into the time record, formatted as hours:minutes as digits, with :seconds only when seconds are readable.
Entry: 7:29:04
